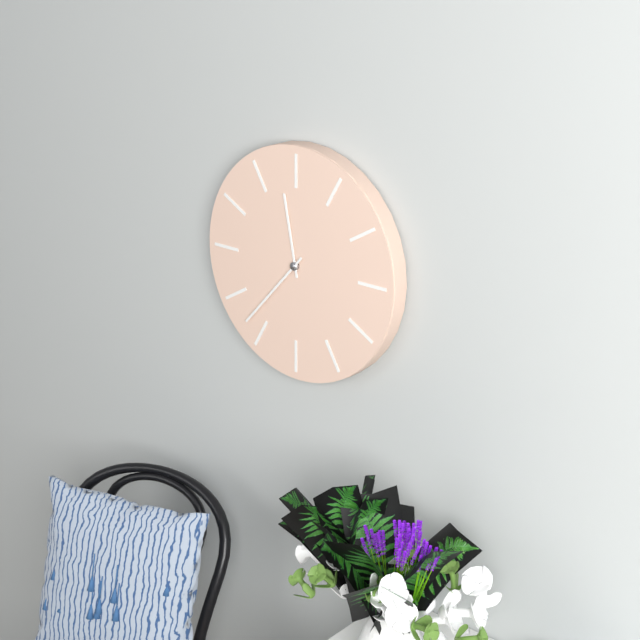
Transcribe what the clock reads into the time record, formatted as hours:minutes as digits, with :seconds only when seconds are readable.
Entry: 11:37
